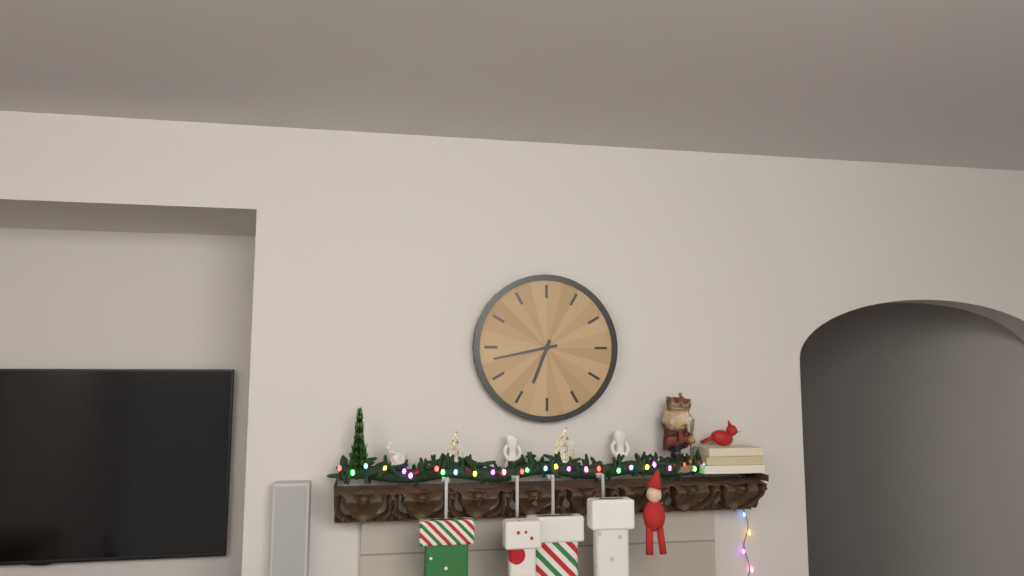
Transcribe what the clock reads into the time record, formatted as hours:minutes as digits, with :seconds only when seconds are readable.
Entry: 6:43
